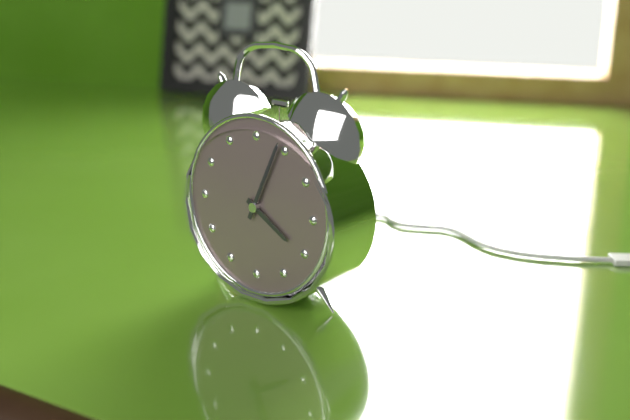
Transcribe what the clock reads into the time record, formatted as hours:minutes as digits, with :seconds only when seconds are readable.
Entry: 4:04
